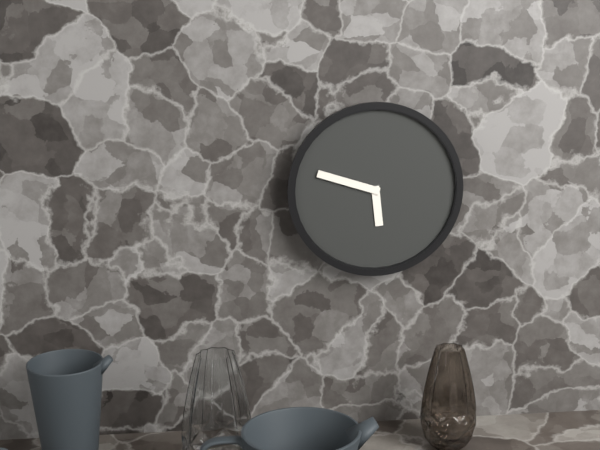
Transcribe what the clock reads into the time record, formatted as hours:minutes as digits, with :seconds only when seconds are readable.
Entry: 5:48
